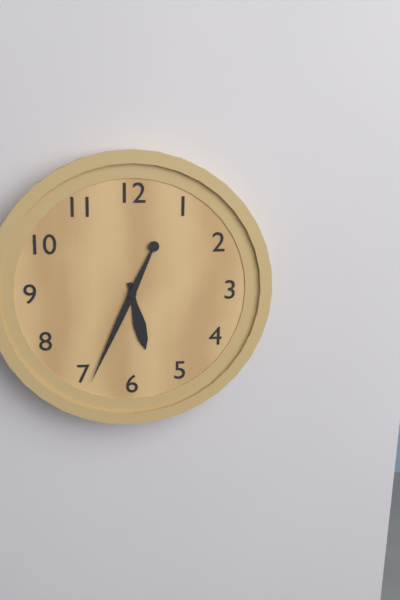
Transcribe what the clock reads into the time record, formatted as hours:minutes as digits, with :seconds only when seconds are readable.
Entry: 5:34
